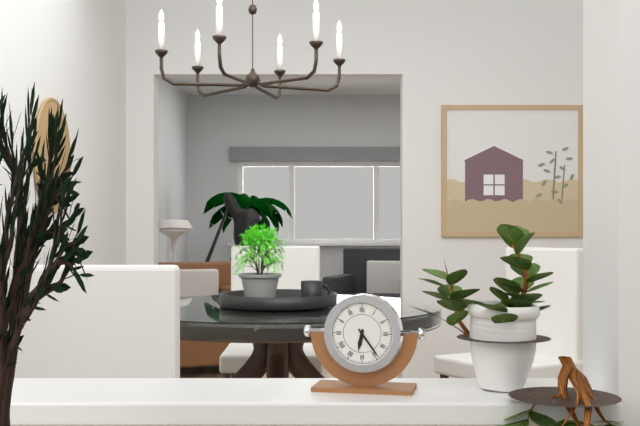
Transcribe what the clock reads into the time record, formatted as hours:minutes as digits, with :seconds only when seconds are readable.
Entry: 6:24
